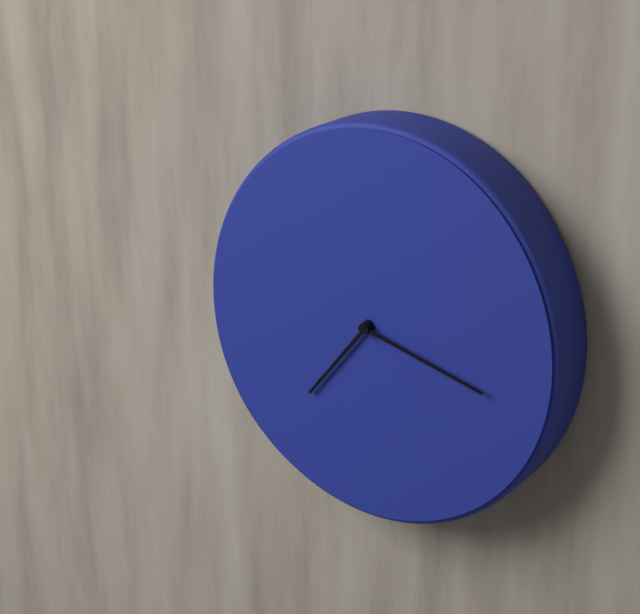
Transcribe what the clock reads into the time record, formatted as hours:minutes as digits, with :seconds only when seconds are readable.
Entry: 7:18
